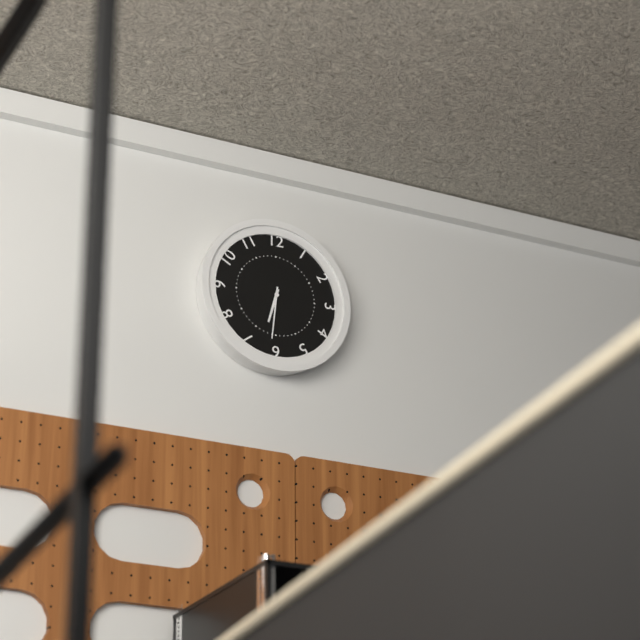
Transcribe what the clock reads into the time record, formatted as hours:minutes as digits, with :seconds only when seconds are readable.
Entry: 6:31
